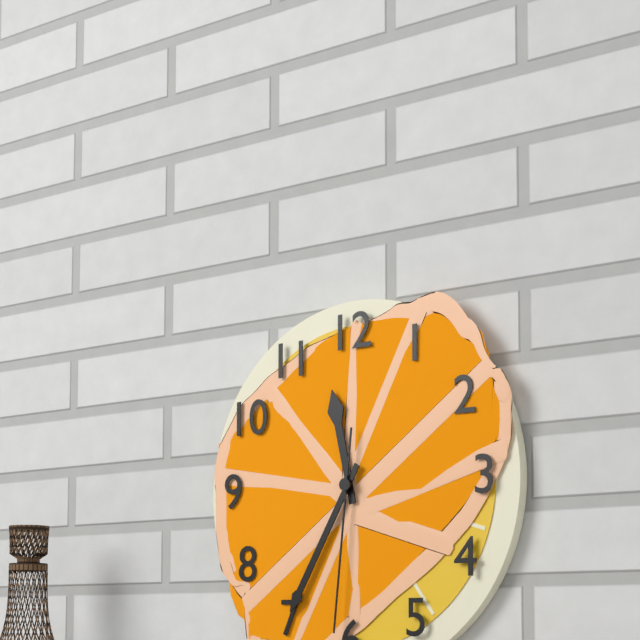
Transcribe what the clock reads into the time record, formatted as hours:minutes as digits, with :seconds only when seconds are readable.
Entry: 11:35:31
